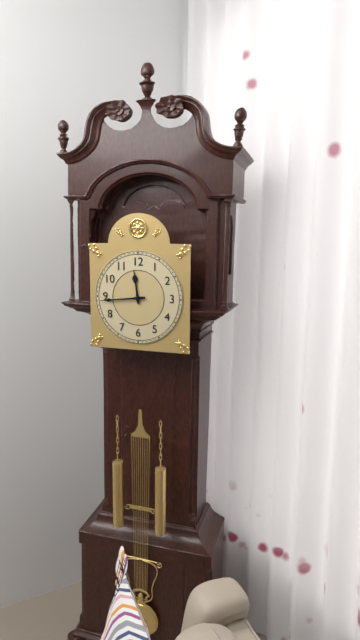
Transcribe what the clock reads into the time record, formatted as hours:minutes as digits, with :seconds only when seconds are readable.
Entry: 11:44
